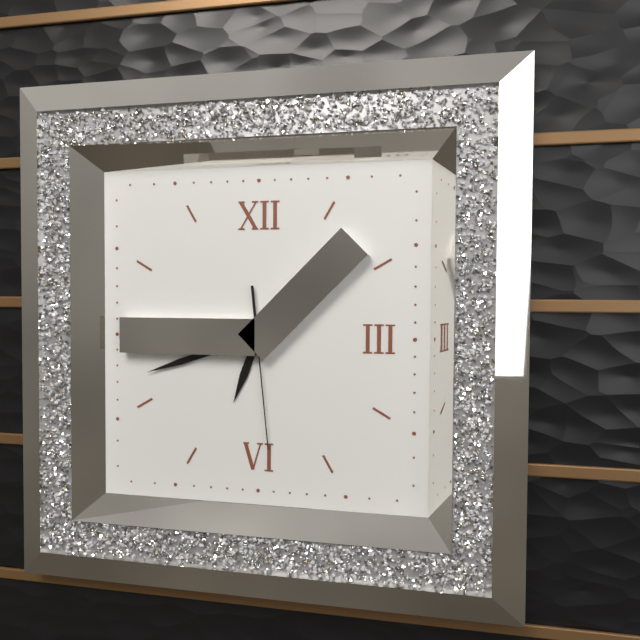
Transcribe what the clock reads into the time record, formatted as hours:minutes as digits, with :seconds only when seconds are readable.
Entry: 6:42:29
